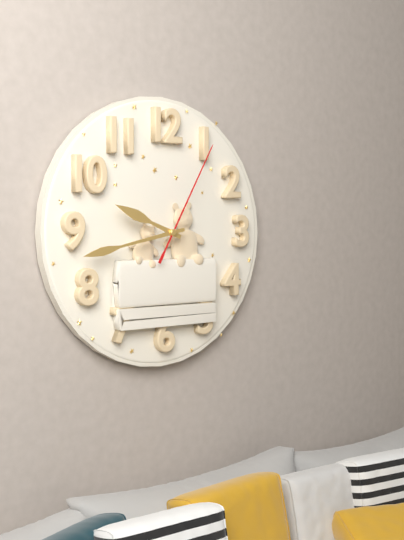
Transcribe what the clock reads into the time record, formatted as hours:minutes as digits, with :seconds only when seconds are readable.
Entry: 9:43:05
